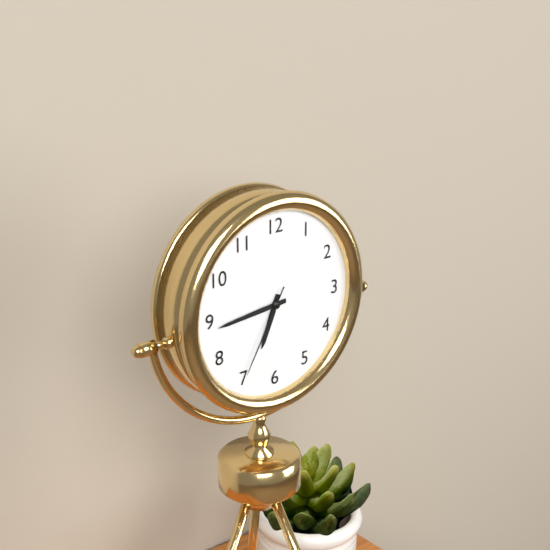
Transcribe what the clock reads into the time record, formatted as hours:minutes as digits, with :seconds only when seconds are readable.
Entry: 6:44:35
